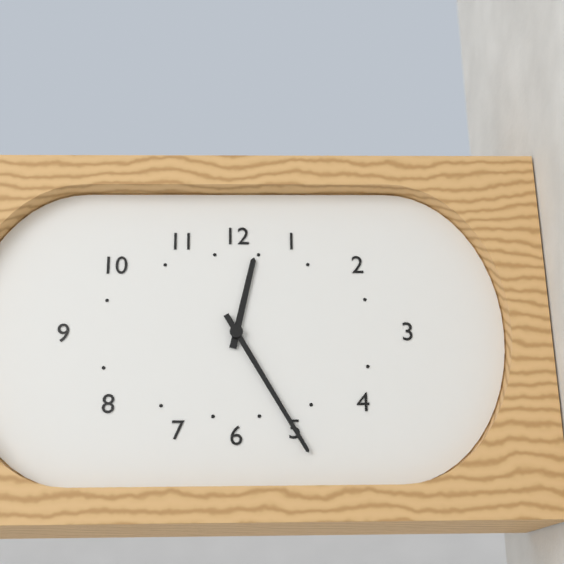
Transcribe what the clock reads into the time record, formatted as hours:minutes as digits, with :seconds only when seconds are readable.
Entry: 12:25
